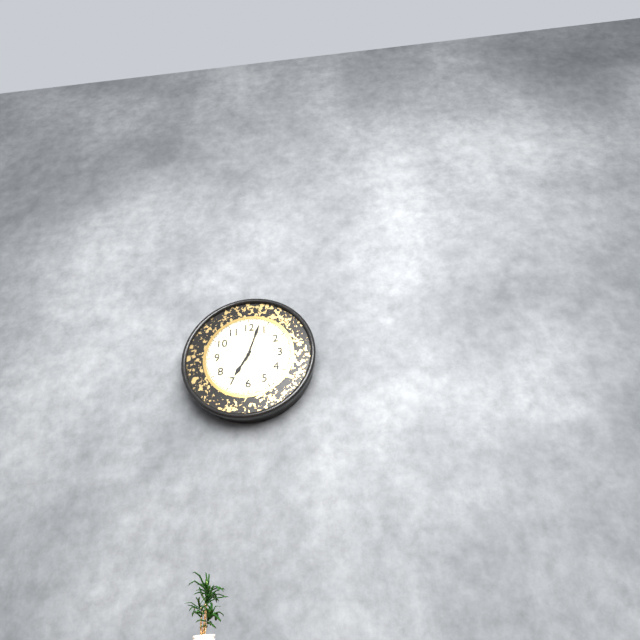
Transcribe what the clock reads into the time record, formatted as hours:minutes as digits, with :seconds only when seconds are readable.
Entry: 7:03
